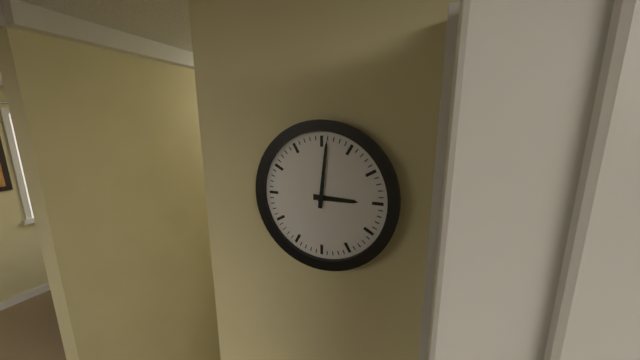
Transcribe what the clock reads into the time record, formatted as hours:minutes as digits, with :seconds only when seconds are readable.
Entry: 3:01
